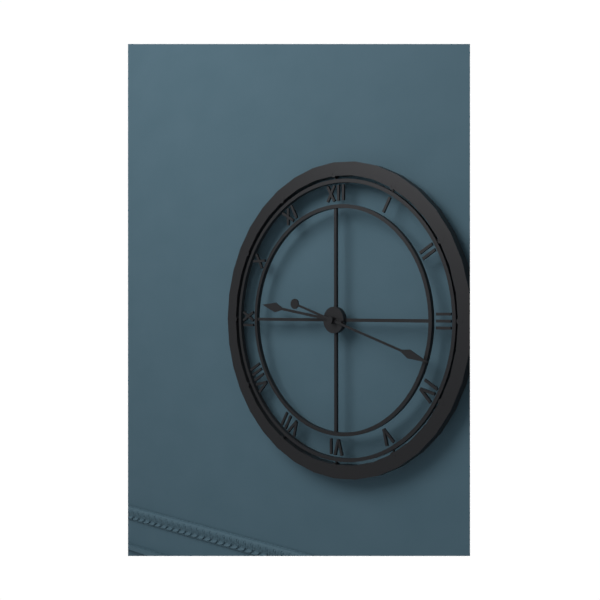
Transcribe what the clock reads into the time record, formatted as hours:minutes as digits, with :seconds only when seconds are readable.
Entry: 9:18
